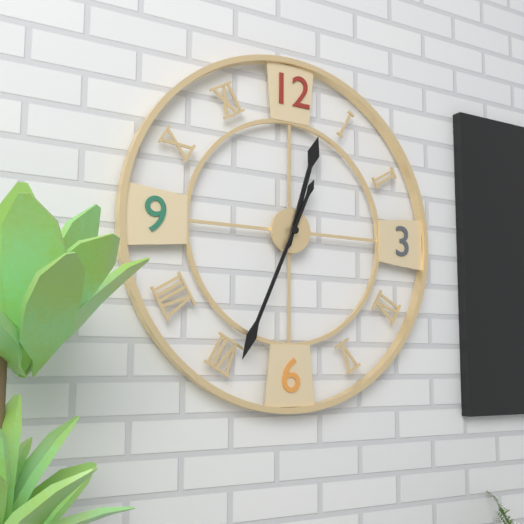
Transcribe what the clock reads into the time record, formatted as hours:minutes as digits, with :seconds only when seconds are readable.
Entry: 12:34
